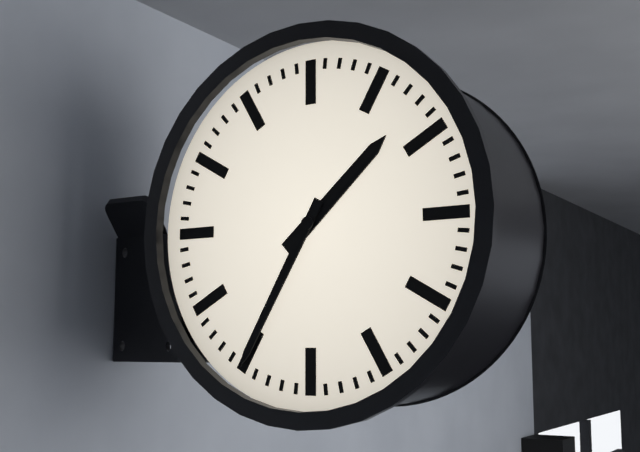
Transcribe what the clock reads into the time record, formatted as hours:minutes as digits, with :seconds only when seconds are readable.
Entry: 1:35
